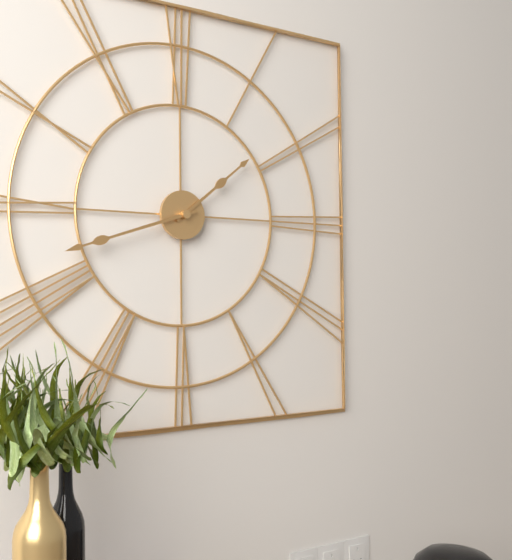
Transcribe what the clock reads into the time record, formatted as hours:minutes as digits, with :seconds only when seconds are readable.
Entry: 1:42
